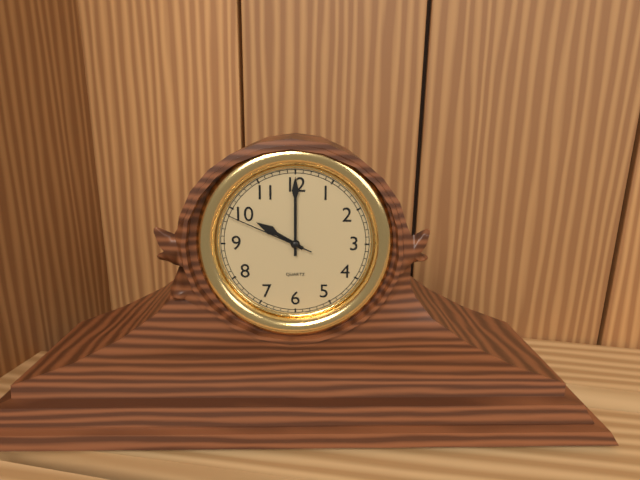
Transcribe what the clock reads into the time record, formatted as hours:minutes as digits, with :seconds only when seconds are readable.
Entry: 10:00:49
